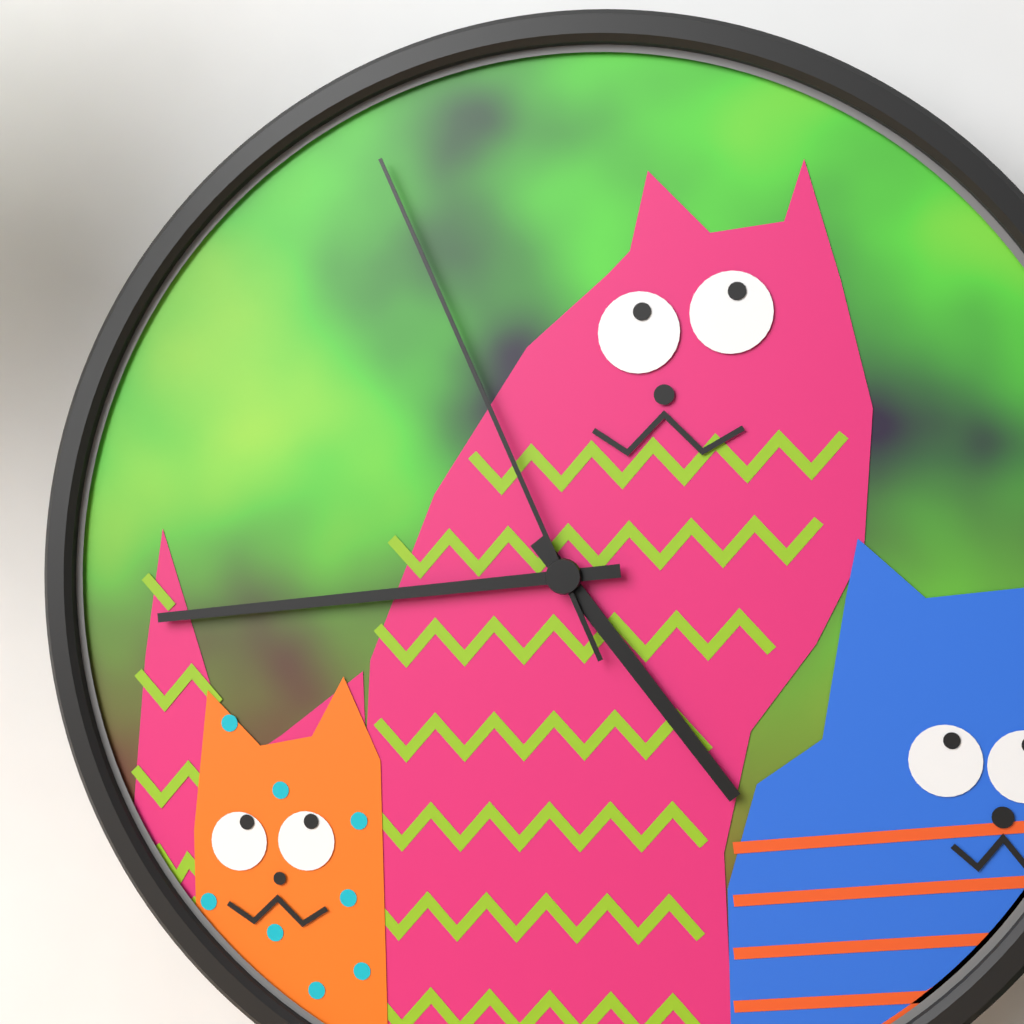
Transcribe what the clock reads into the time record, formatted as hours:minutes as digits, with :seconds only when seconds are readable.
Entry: 4:44:56
